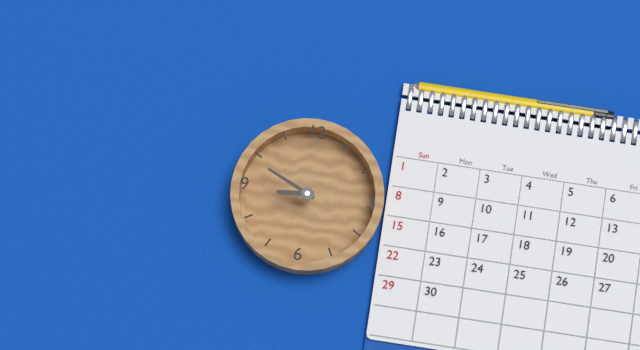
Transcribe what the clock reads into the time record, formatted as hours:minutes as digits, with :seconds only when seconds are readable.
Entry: 8:49
